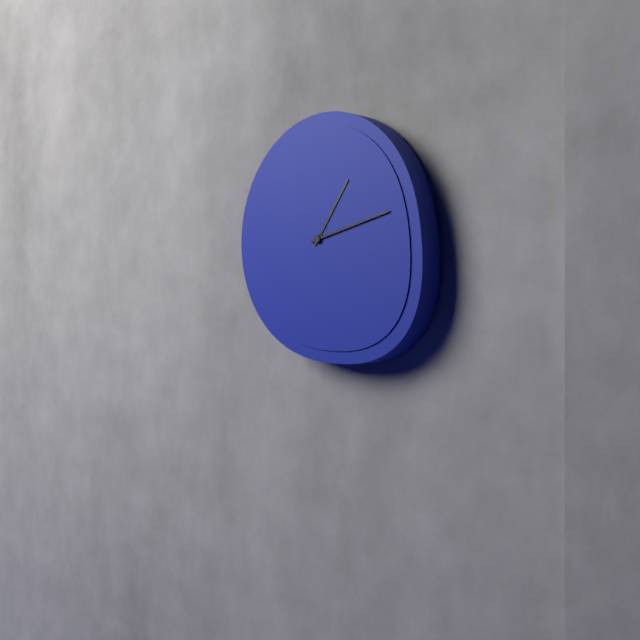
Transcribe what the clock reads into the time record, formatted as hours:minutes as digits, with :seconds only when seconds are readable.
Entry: 1:13
